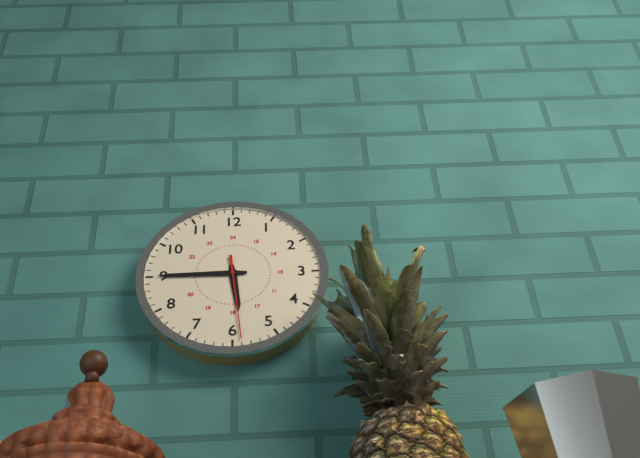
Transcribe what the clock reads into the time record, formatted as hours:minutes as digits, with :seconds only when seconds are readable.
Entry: 5:45:29
